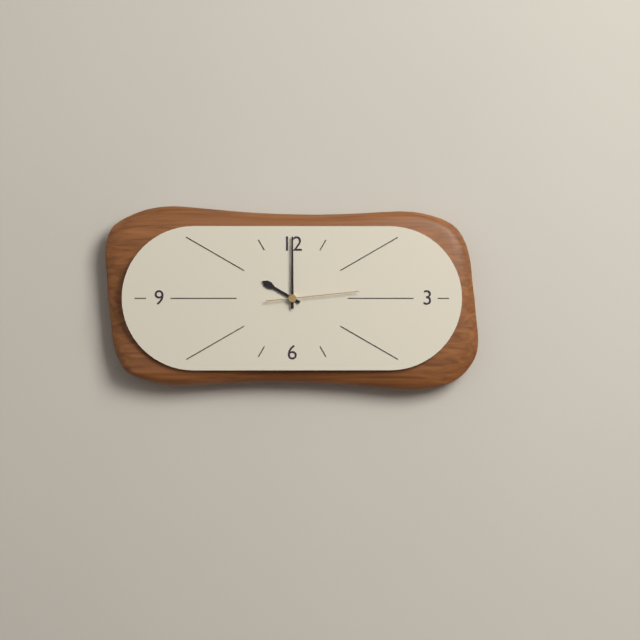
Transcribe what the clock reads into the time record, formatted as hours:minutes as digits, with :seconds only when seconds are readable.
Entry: 10:00:14
